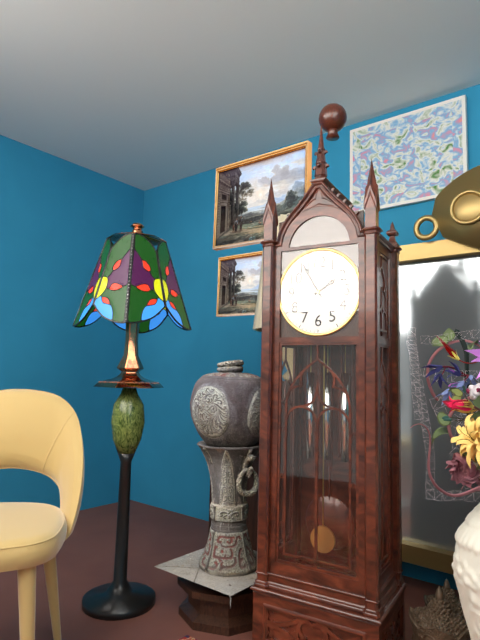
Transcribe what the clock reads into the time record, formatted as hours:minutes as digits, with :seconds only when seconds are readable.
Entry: 1:55
